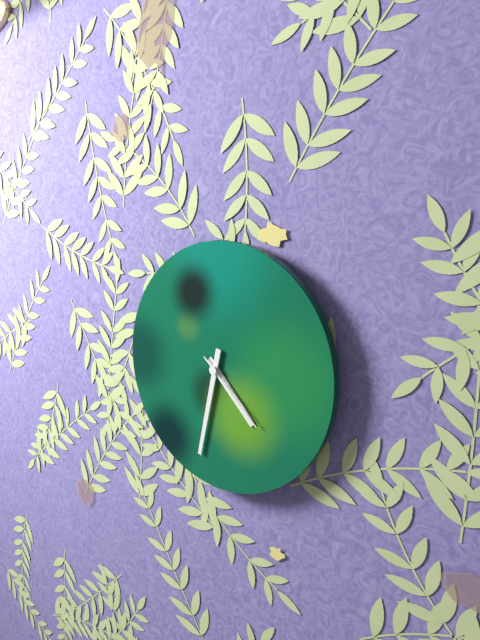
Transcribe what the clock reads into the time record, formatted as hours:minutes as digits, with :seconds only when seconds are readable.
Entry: 4:32:22
